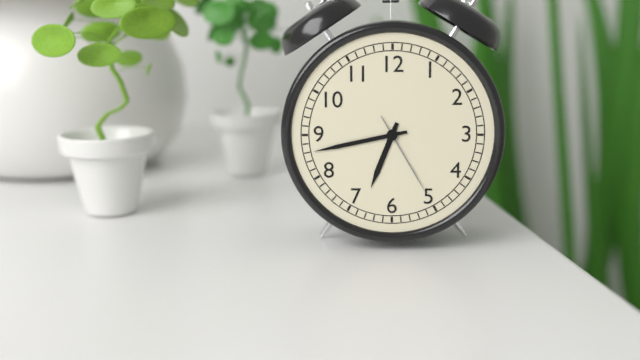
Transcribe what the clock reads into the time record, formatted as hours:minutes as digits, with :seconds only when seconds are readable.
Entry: 6:43:25
